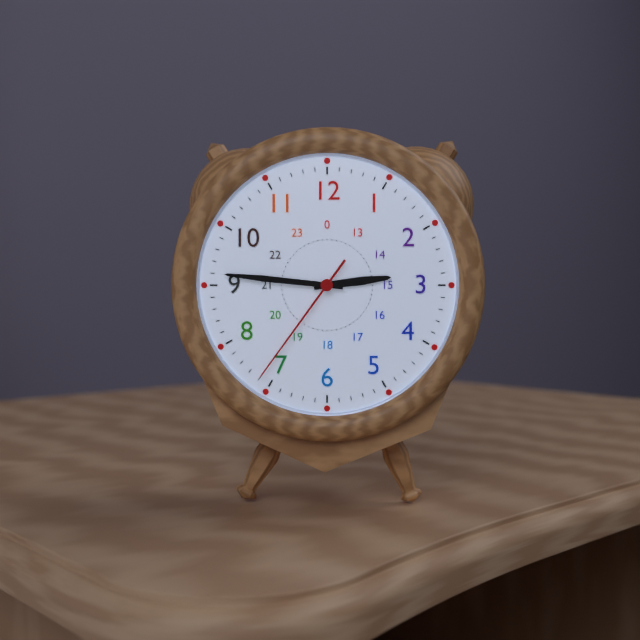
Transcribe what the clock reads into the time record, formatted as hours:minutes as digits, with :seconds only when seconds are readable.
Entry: 2:46:36
